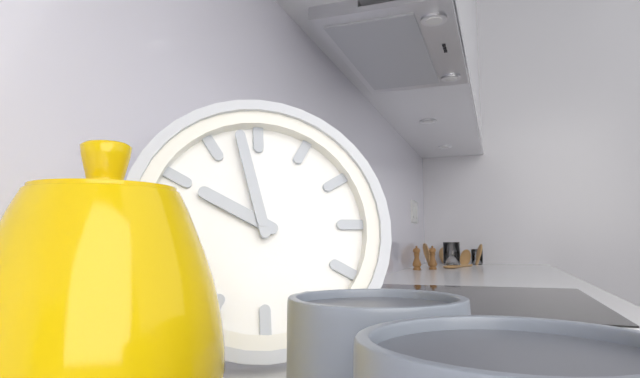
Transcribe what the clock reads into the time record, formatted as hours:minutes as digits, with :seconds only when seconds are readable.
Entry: 9:58
